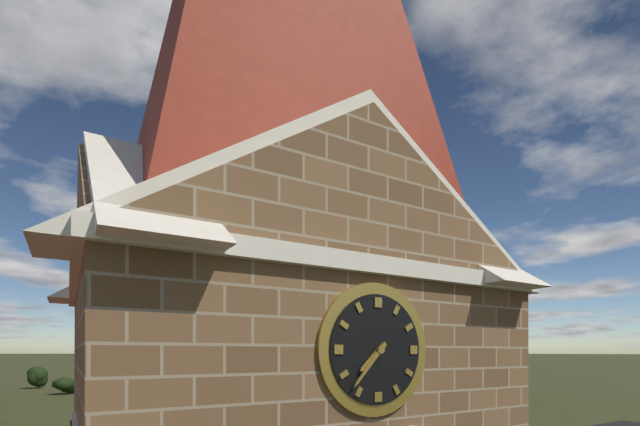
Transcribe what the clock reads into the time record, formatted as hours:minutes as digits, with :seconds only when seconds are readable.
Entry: 7:37
